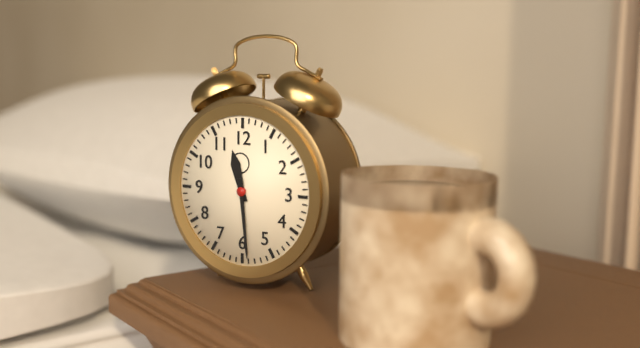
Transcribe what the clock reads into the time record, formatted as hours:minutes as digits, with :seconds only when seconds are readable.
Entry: 11:29
